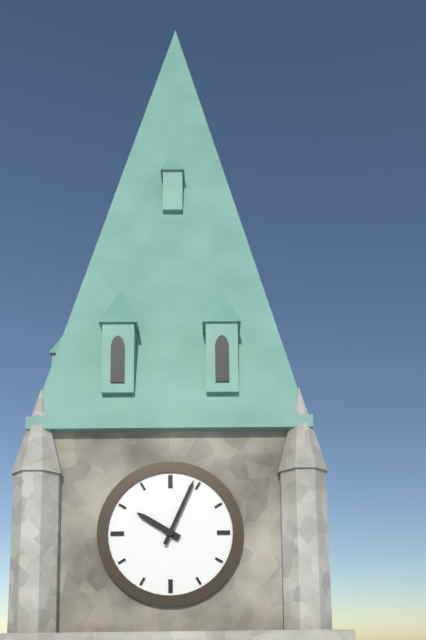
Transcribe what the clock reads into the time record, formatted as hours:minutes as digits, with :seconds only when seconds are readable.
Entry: 10:04
